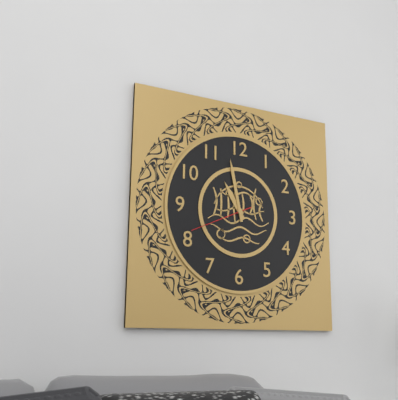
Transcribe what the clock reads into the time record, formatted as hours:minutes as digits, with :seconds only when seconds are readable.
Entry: 10:58:41
